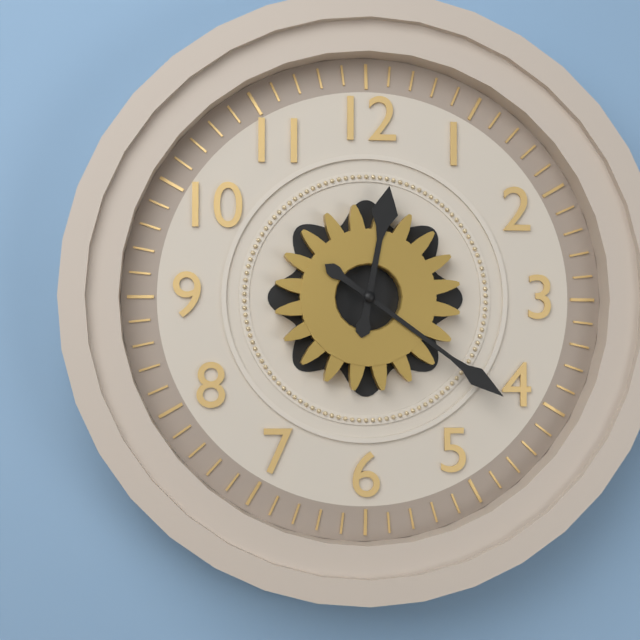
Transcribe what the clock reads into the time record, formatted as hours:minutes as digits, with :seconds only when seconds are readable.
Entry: 12:21
